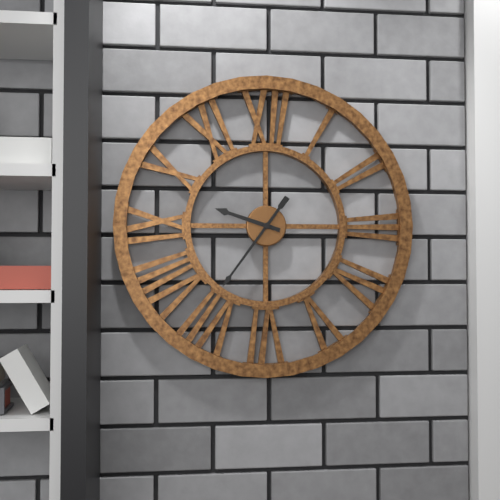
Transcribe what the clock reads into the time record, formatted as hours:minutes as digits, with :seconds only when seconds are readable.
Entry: 9:36
